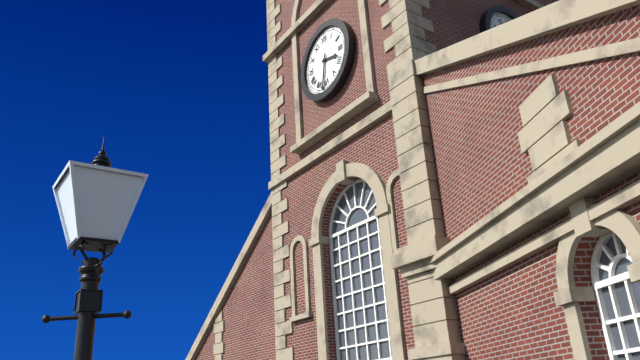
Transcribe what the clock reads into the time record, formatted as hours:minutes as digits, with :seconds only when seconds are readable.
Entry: 3:32
